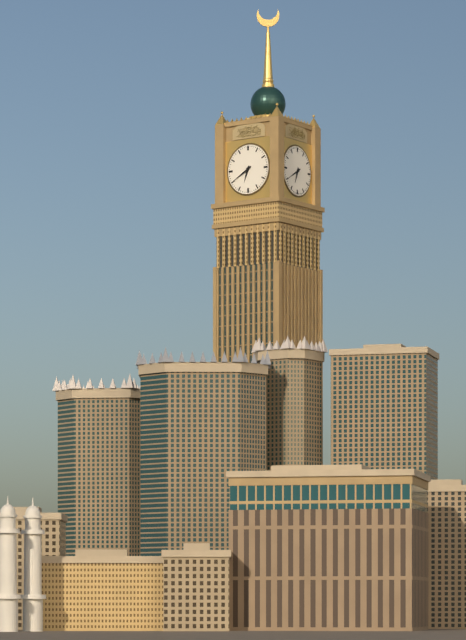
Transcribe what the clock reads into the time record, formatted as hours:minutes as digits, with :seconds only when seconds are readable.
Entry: 6:40
